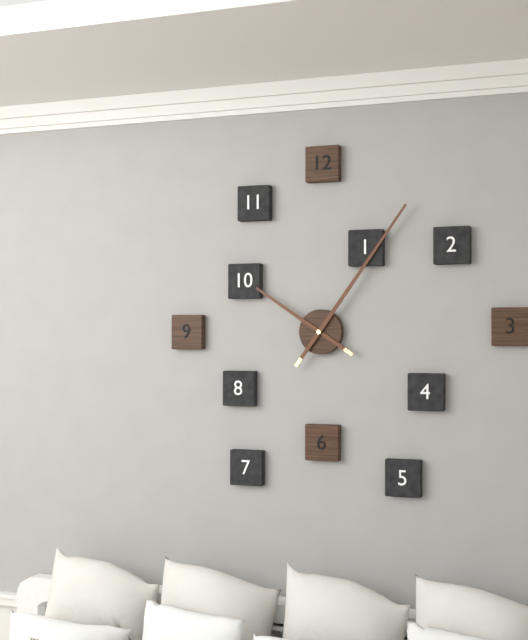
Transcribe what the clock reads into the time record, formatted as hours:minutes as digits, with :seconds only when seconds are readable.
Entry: 10:06
